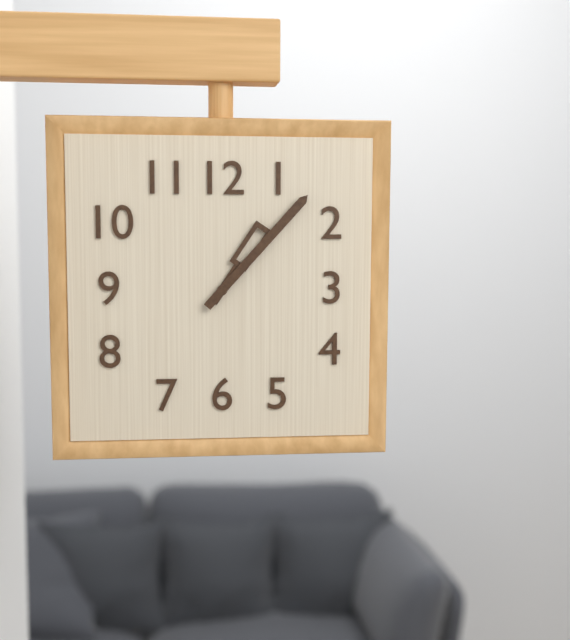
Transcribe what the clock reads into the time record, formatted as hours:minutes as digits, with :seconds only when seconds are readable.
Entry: 1:07
